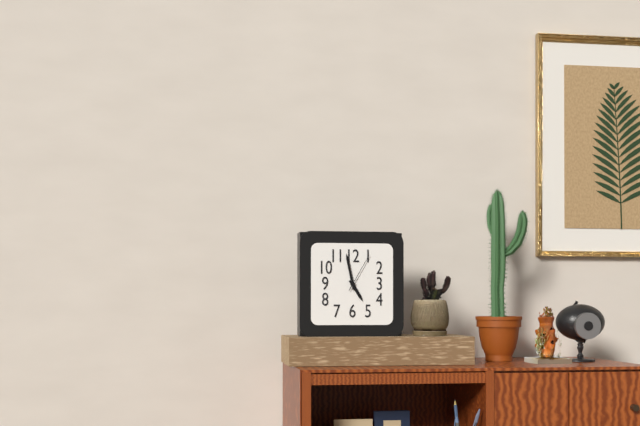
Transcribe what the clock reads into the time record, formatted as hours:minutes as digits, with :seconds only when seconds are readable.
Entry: 4:58
